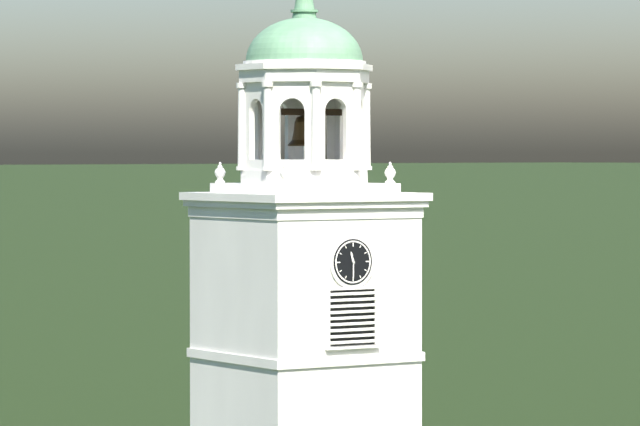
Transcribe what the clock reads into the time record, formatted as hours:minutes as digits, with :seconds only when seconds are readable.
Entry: 11:30
